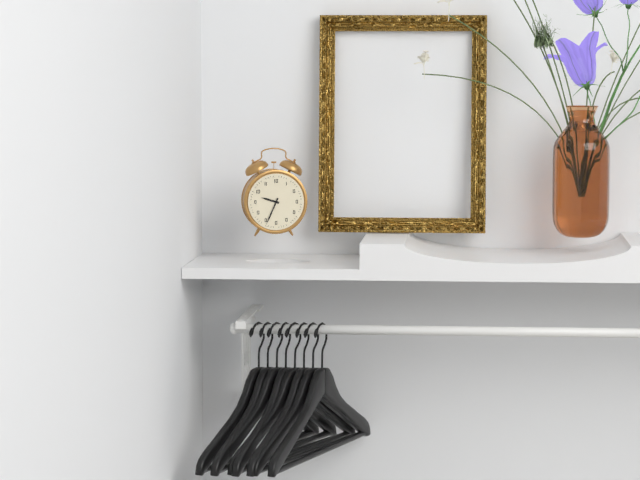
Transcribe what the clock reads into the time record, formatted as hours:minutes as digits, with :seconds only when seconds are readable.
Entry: 9:34
